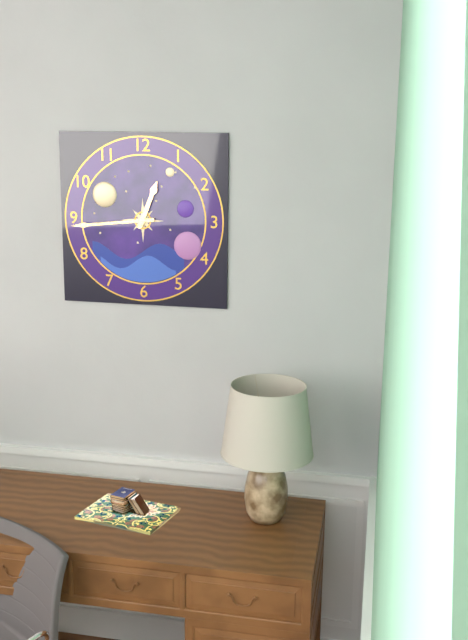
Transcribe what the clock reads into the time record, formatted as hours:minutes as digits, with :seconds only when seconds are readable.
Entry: 12:44
